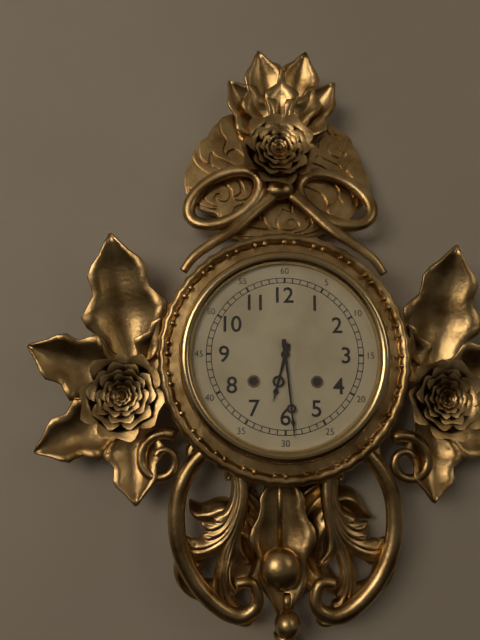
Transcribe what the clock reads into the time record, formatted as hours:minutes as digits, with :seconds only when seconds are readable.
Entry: 6:29
